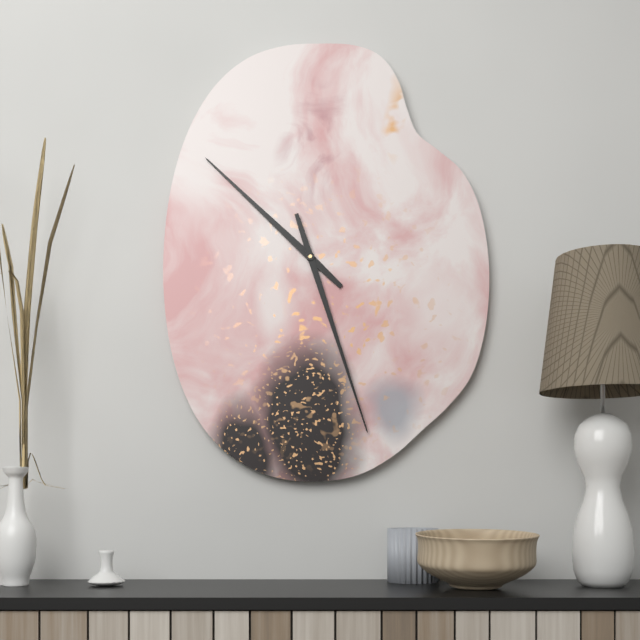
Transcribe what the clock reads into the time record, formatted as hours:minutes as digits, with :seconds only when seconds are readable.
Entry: 10:27
